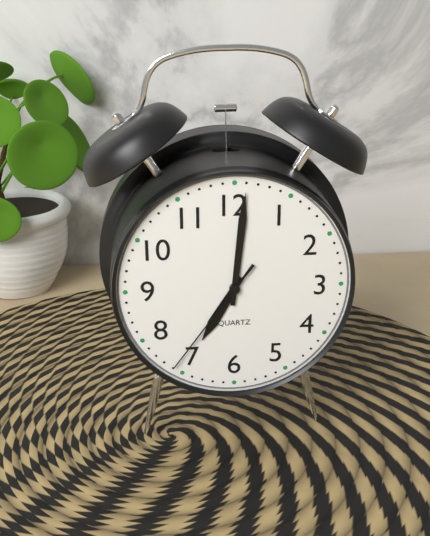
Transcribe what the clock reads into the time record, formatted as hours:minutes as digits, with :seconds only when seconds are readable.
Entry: 7:01:36
